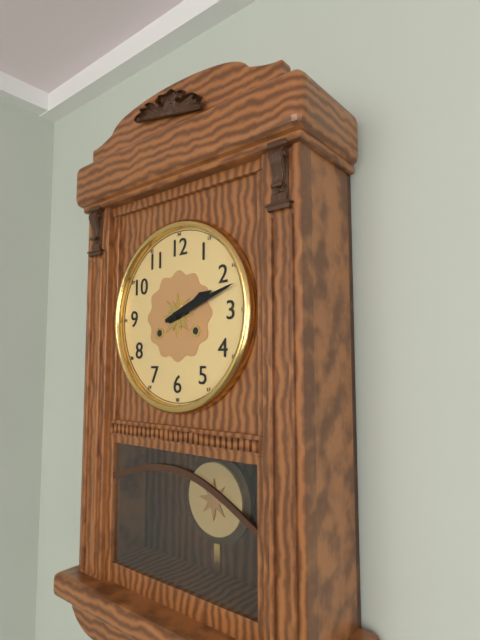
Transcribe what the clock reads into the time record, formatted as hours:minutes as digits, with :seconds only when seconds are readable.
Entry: 2:12
